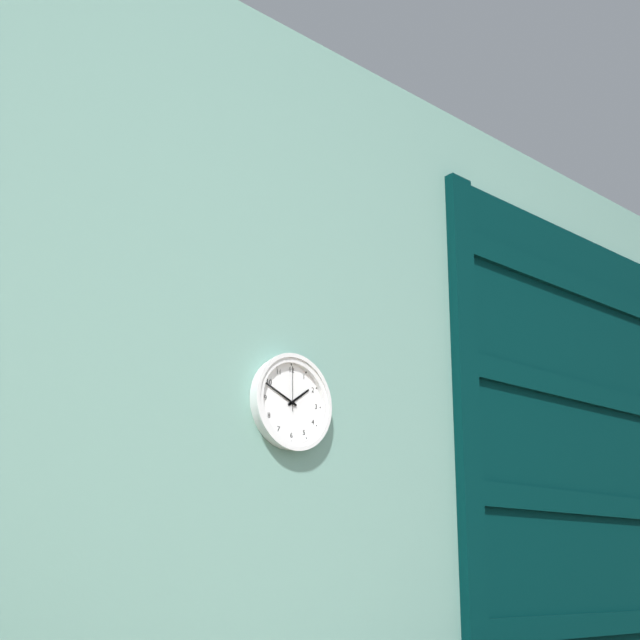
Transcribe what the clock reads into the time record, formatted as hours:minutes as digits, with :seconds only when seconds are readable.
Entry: 1:49
